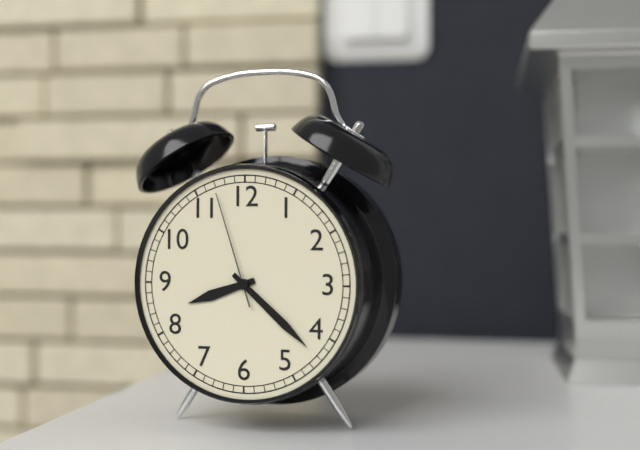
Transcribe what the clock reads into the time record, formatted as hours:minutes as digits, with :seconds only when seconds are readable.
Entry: 8:22:57
